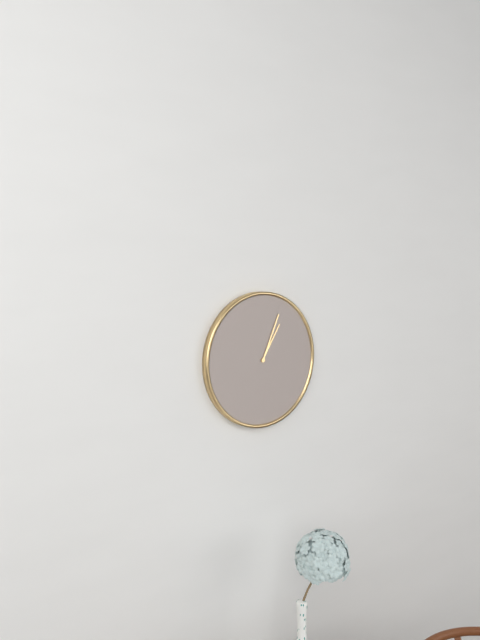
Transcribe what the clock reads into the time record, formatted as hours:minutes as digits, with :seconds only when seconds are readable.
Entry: 1:04
